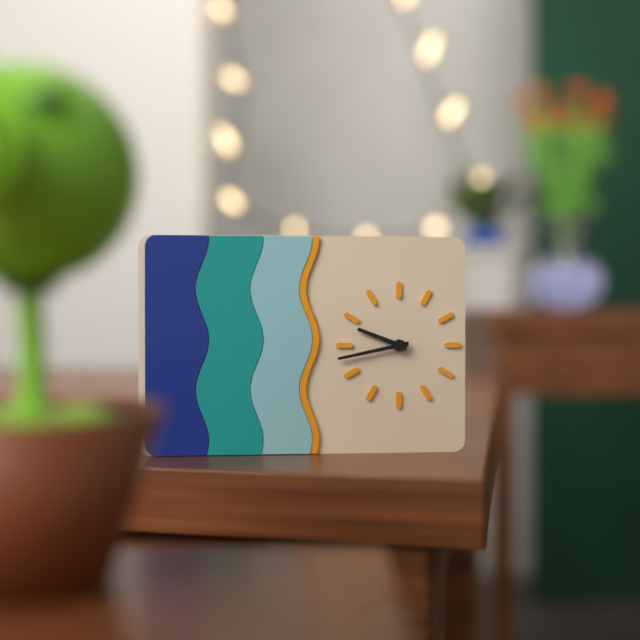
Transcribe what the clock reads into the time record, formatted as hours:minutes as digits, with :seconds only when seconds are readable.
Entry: 9:43
